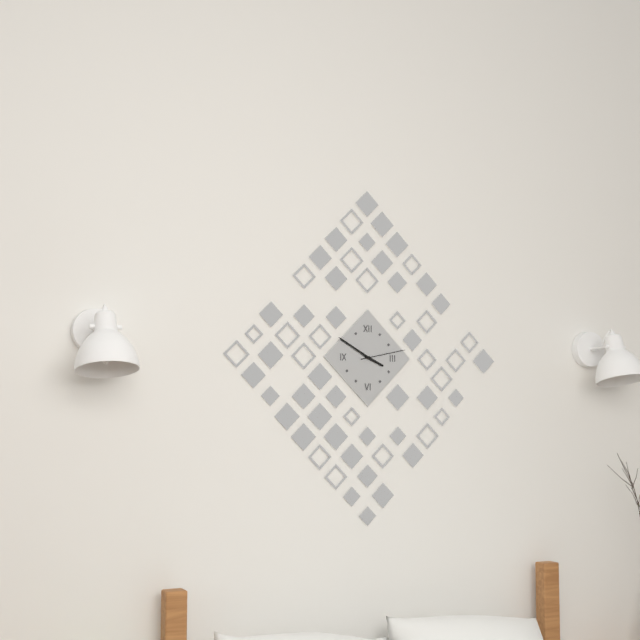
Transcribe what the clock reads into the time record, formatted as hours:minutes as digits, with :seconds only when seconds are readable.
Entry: 3:50
